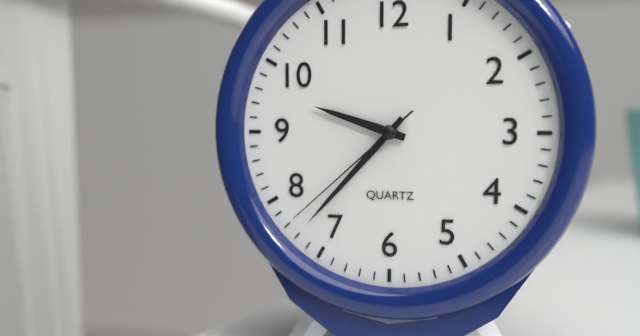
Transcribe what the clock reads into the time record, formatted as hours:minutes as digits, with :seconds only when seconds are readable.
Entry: 9:37:38
